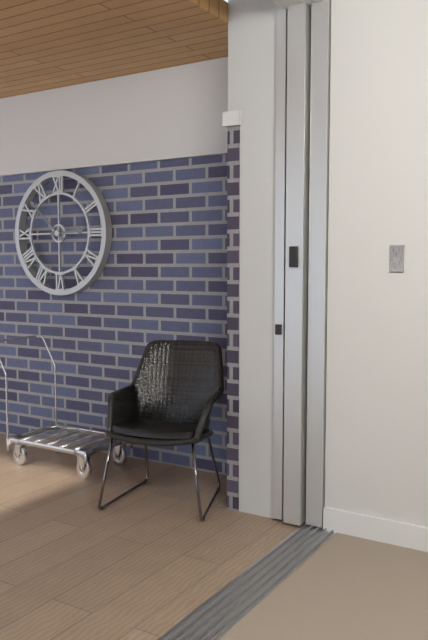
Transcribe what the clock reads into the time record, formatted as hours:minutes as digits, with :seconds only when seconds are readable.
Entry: 2:52
